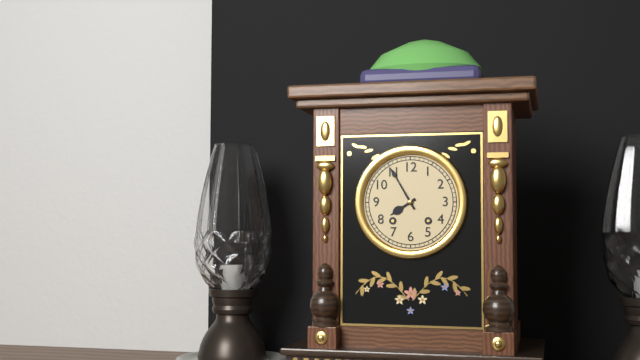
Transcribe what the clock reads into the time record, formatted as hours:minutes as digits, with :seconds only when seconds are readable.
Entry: 7:55
